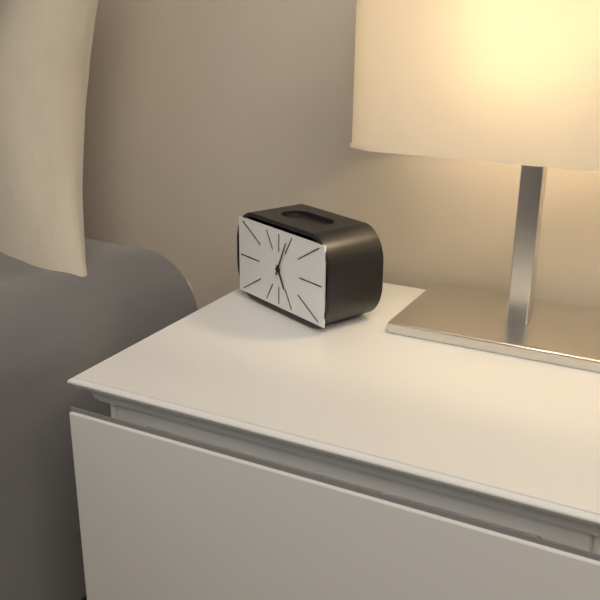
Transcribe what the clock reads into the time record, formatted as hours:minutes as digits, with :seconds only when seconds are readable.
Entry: 5:04
